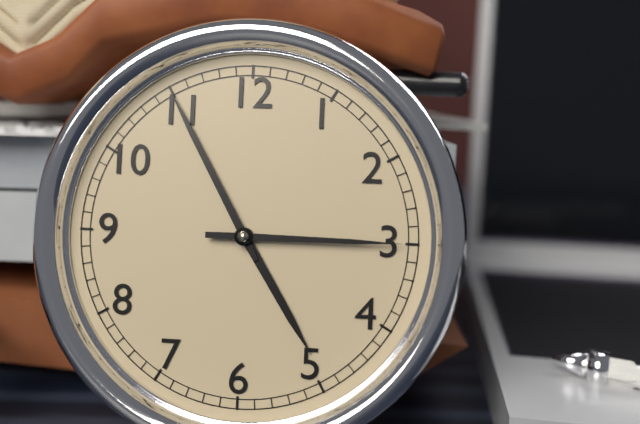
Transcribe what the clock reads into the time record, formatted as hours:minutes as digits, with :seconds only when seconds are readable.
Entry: 4:55:15
